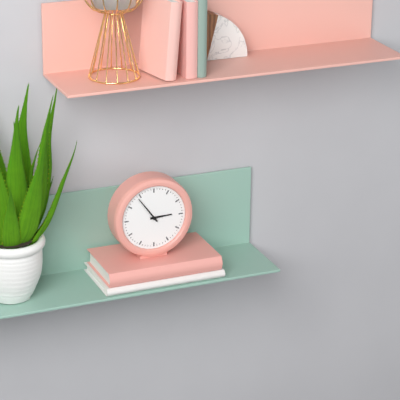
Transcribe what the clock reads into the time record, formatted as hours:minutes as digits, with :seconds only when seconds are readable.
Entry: 2:54
